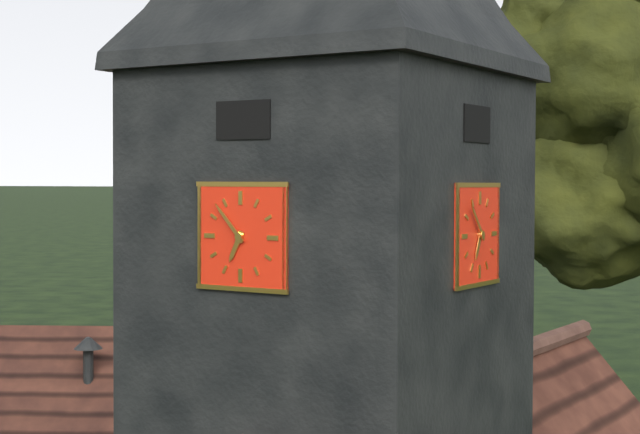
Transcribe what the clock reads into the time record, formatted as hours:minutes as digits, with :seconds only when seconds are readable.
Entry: 6:53
